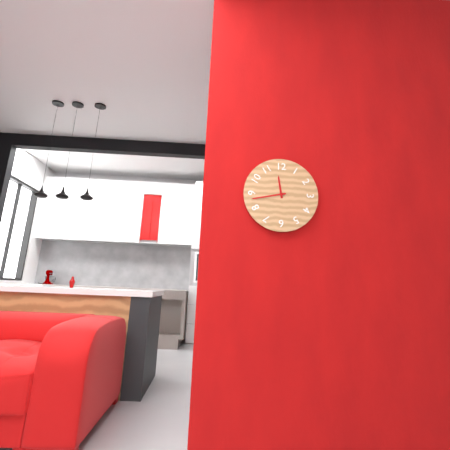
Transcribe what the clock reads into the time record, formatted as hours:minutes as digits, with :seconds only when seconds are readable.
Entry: 11:43
